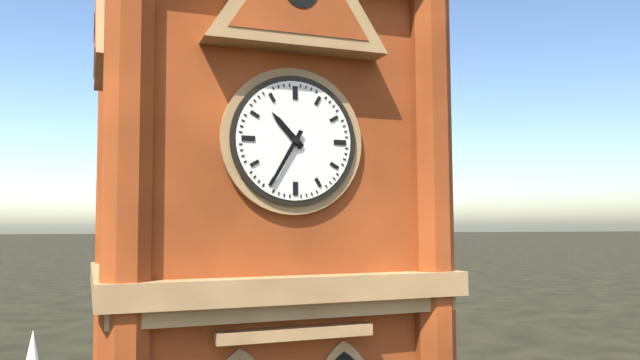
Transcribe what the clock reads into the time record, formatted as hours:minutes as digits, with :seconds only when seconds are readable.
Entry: 10:35
